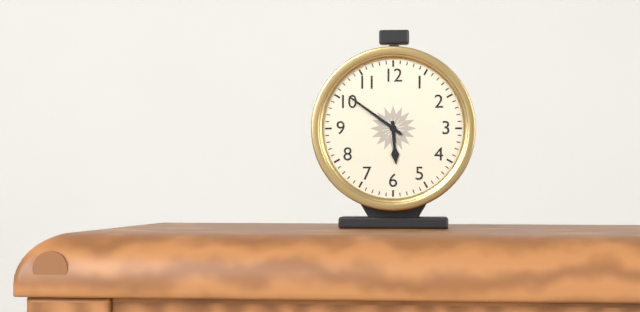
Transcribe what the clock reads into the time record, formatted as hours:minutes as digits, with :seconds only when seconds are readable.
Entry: 5:51
